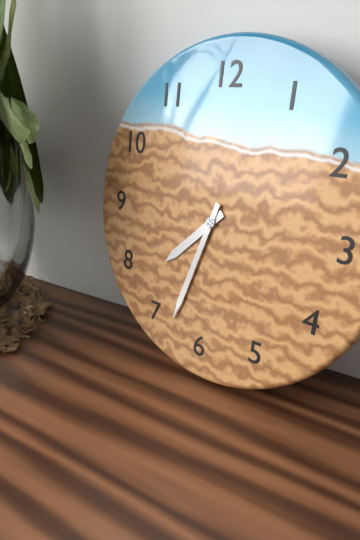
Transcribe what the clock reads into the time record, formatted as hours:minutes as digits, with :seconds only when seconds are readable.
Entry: 7:33
